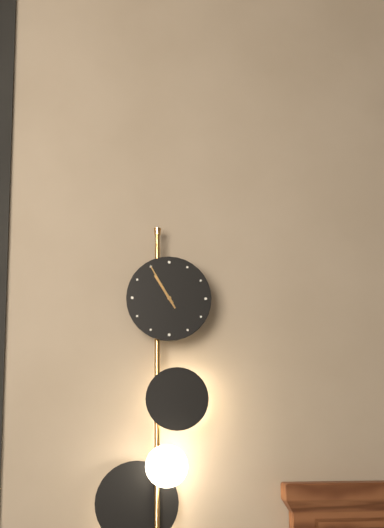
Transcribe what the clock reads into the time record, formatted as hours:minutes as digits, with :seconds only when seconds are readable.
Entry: 10:55
